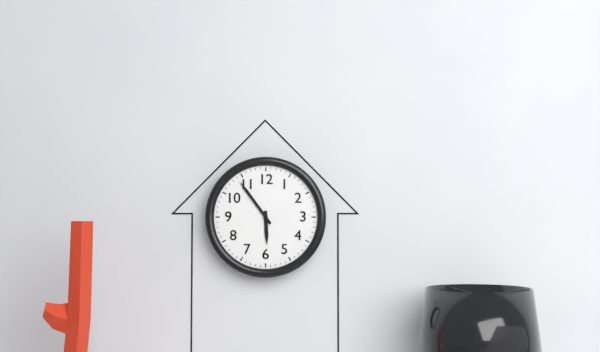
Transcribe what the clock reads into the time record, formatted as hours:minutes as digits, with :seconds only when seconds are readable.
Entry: 5:54
